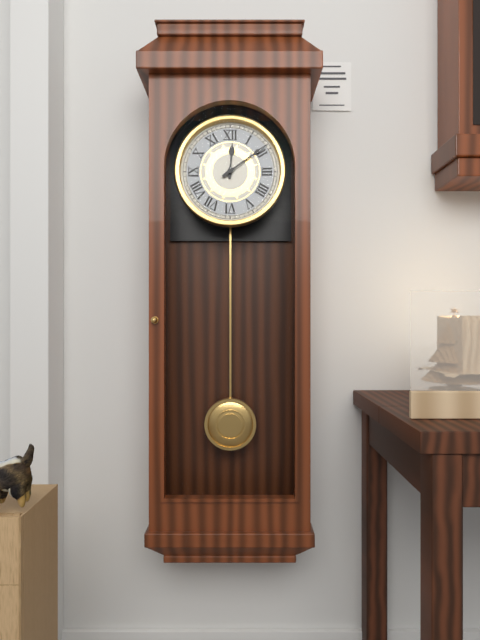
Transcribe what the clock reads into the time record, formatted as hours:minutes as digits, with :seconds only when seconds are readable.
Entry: 12:09
